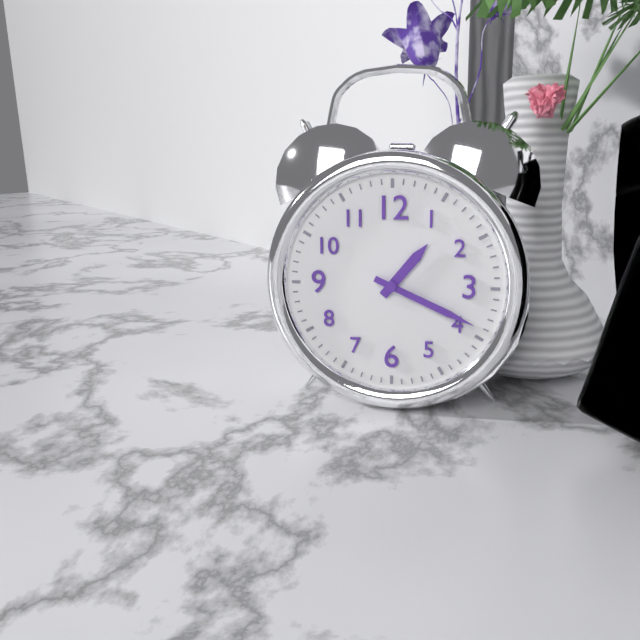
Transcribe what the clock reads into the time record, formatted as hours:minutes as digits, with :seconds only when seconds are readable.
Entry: 1:19
